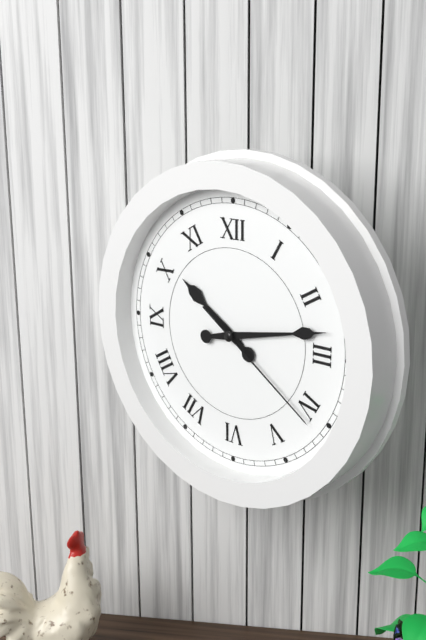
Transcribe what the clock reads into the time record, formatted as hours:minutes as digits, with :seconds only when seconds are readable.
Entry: 10:13:21
